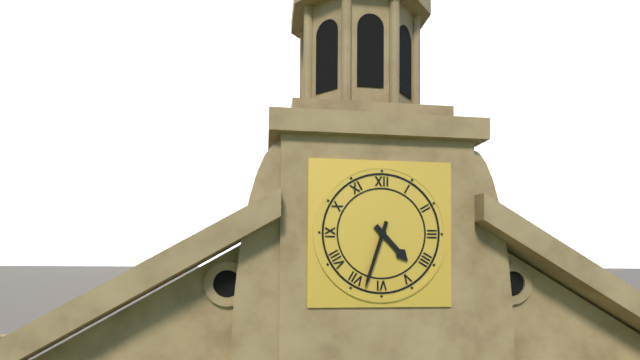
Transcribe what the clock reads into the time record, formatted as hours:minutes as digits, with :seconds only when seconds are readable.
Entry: 4:33
